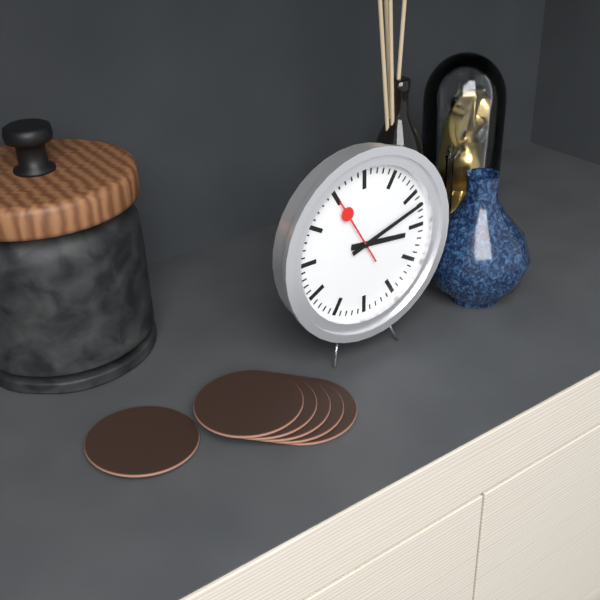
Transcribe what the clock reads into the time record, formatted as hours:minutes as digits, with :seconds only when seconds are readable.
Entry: 3:12:55
